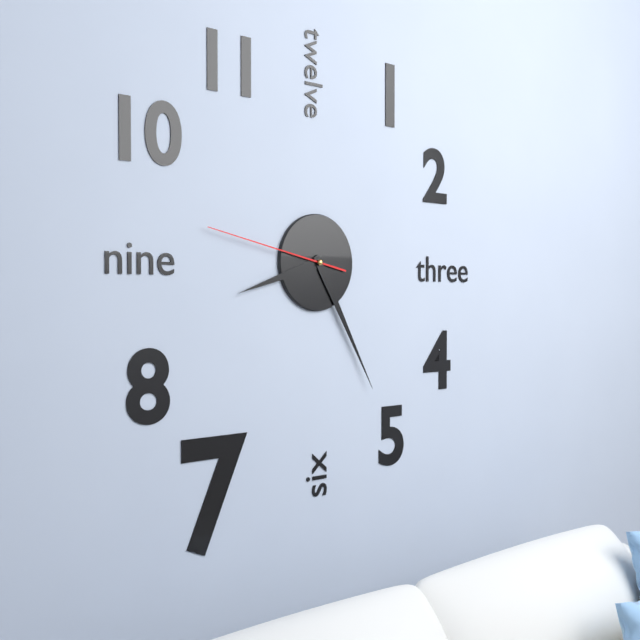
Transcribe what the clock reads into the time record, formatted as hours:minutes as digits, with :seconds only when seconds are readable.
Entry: 8:25:47
